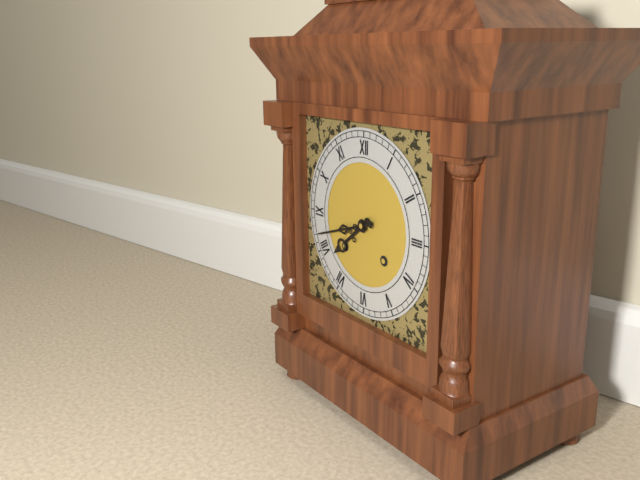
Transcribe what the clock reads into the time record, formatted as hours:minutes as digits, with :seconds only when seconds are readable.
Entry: 7:42
